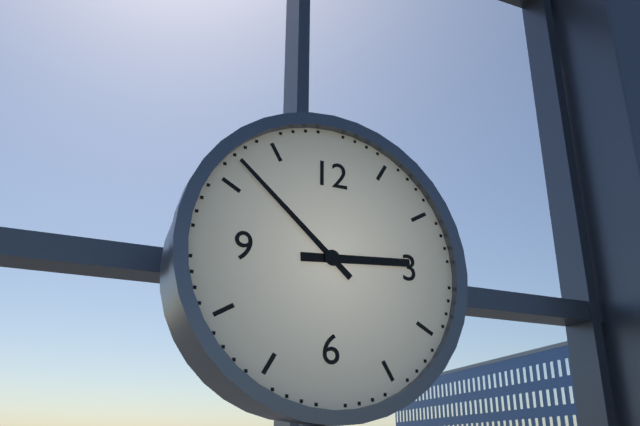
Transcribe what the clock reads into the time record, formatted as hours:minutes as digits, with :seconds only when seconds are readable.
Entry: 2:52
